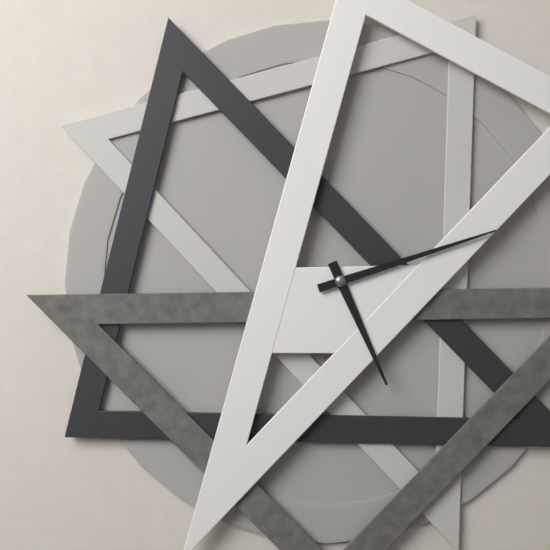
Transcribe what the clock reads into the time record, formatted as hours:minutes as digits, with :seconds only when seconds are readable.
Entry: 5:12
